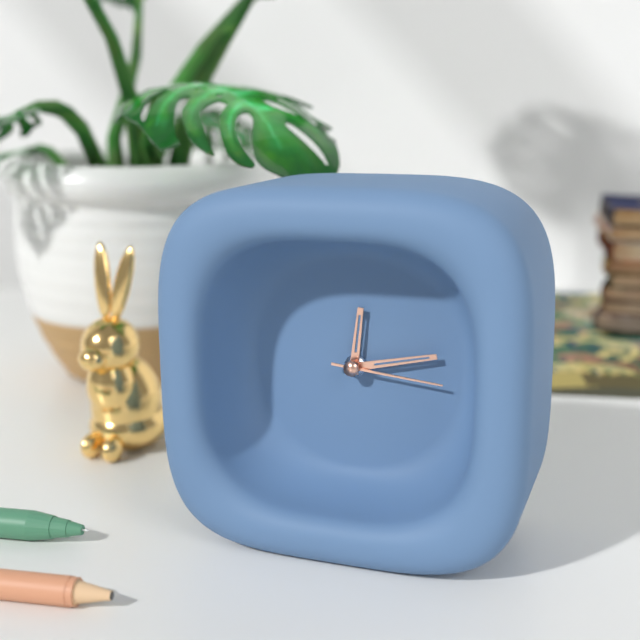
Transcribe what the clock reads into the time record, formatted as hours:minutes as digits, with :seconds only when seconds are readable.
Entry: 12:13:16
